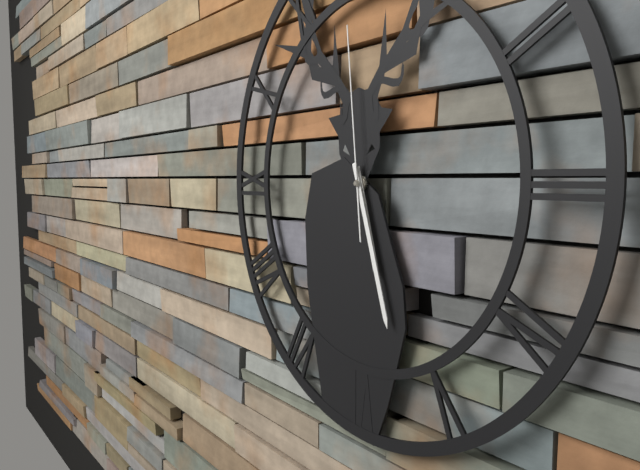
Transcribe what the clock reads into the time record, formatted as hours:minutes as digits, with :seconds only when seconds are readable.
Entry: 5:27:59
